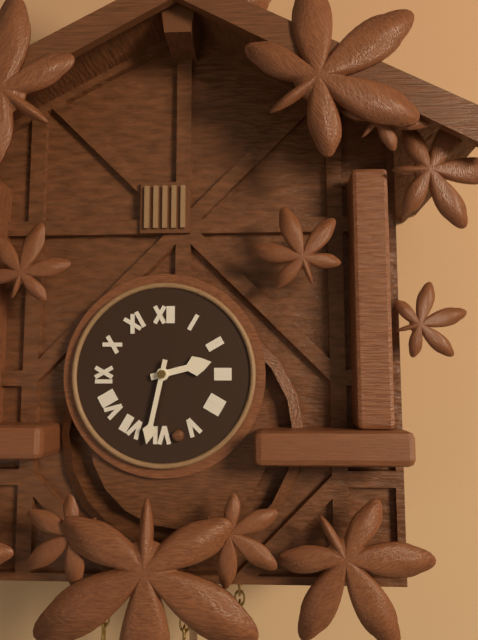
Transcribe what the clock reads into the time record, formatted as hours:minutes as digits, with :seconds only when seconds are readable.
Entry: 2:32
